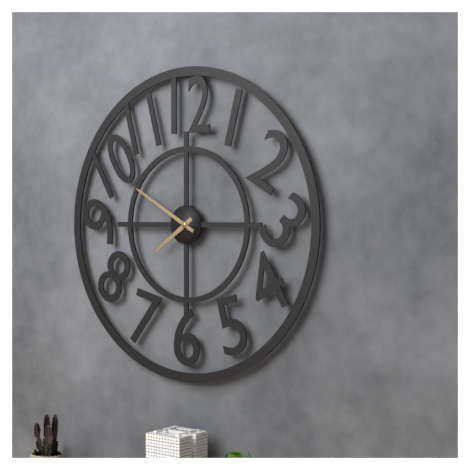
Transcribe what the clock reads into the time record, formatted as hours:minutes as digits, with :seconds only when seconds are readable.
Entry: 7:50
